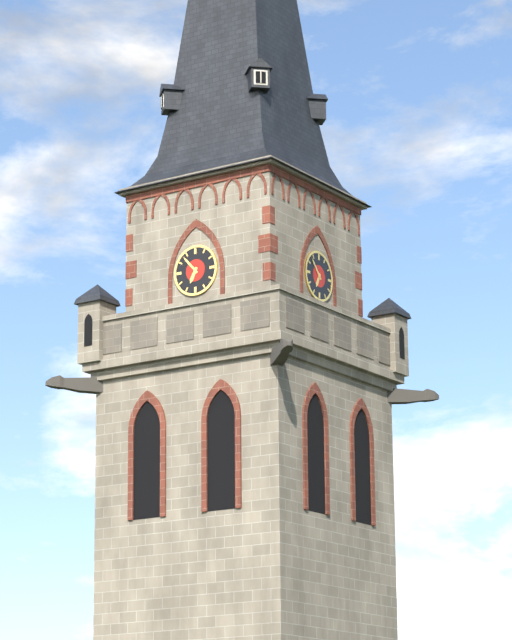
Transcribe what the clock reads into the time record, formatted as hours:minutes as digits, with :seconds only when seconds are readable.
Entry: 6:53
